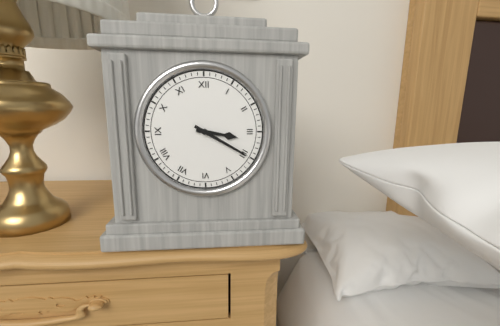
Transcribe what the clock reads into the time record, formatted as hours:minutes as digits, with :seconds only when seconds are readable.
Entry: 3:20
